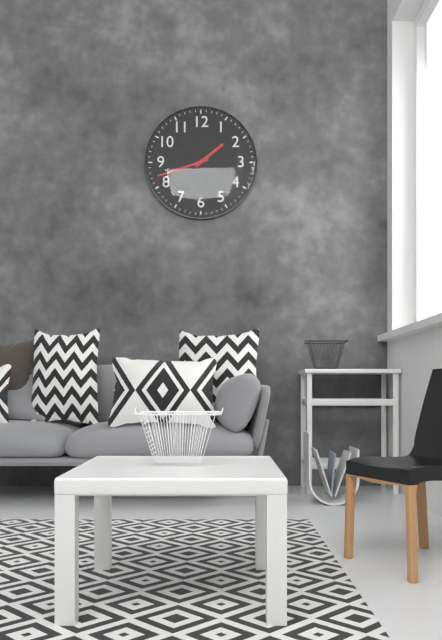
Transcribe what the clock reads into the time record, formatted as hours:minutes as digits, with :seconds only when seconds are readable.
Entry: 1:42
